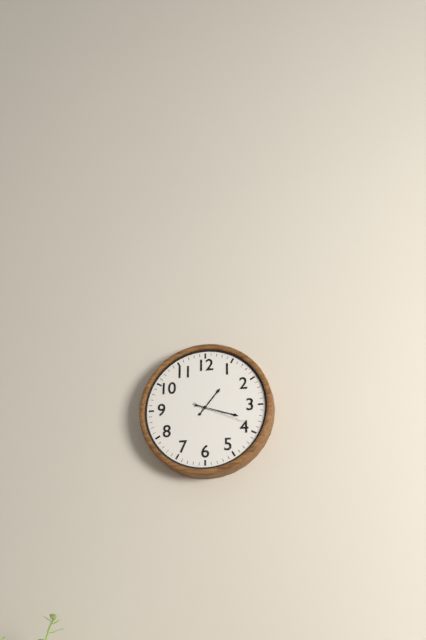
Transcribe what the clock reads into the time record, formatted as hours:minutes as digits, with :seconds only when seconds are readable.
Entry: 1:18:19
